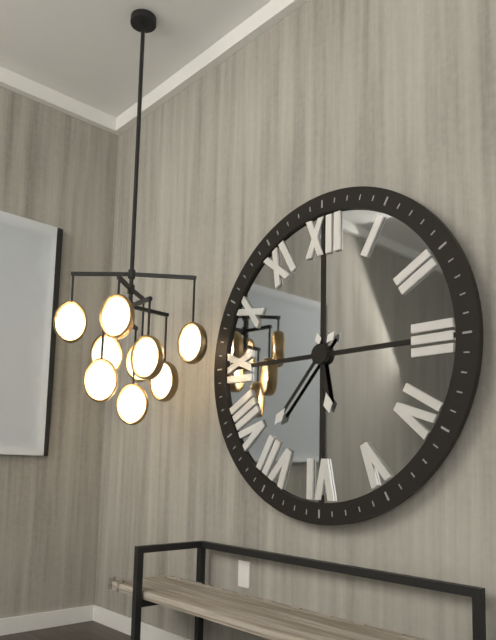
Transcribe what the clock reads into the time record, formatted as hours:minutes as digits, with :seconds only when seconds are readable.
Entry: 5:37
